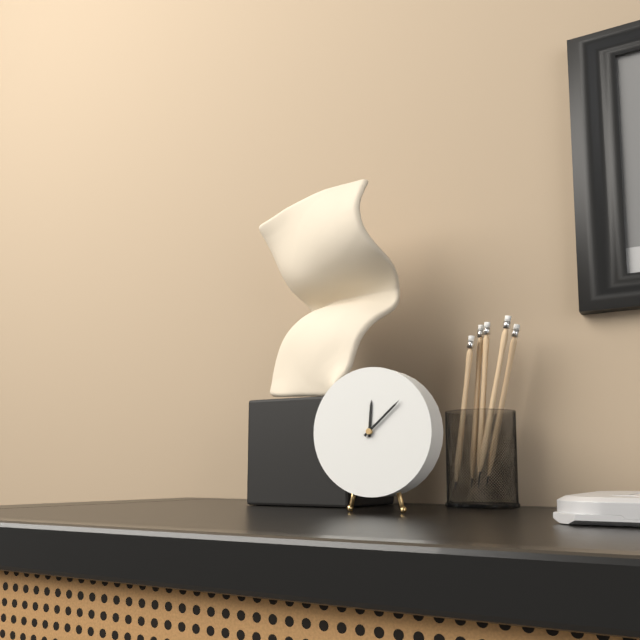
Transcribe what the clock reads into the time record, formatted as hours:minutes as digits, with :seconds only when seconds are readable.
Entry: 12:08
